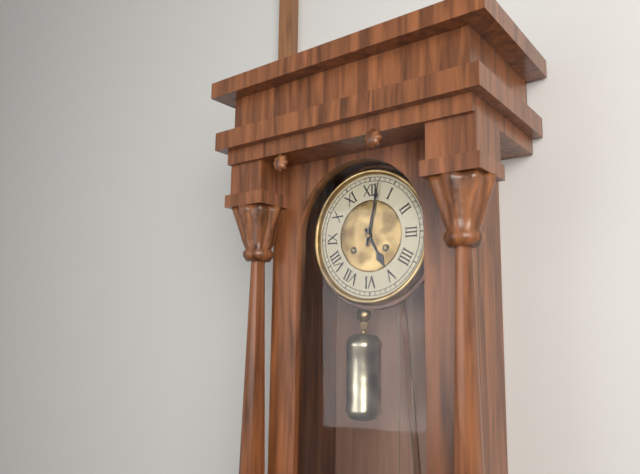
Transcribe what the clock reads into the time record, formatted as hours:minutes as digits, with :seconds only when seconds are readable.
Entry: 5:02
